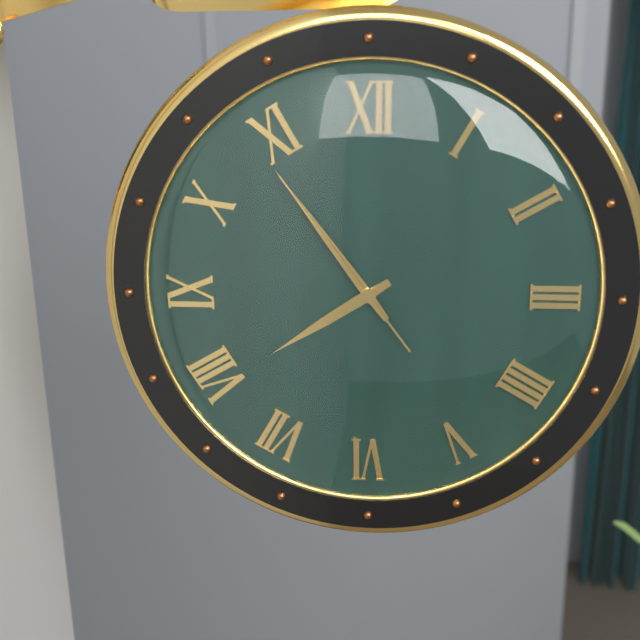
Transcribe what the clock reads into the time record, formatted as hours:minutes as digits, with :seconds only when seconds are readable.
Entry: 7:54:54
